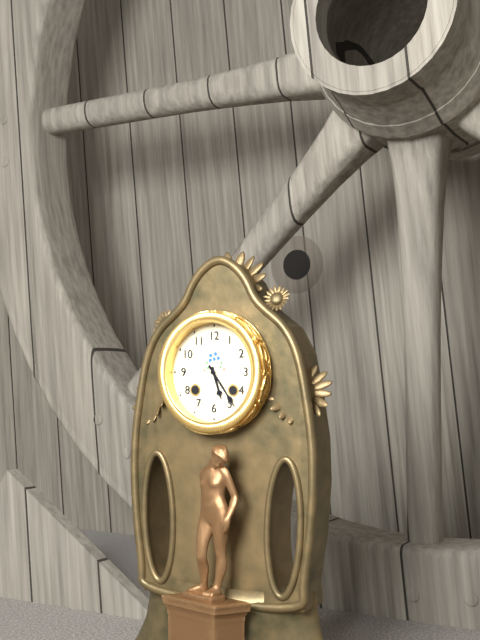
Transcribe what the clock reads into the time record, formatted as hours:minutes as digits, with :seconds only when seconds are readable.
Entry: 5:24
